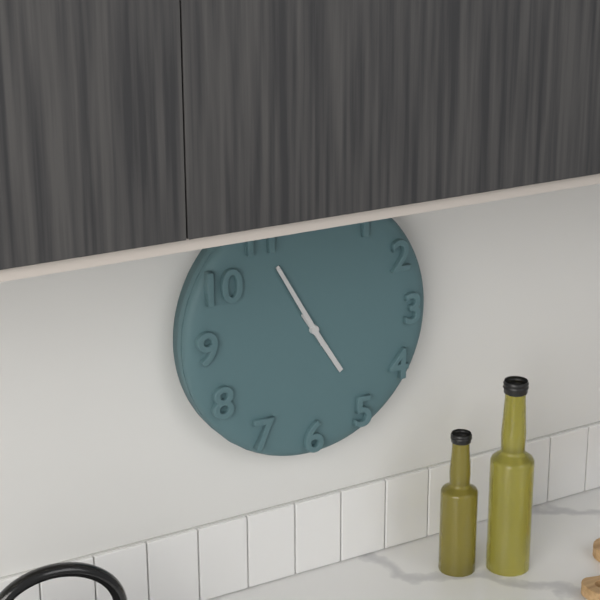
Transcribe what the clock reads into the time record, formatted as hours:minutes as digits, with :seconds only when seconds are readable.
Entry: 4:55
